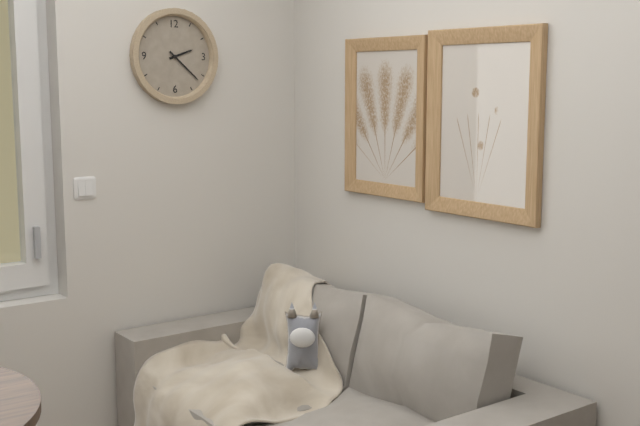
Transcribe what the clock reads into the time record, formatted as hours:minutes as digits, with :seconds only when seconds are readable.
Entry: 2:22
